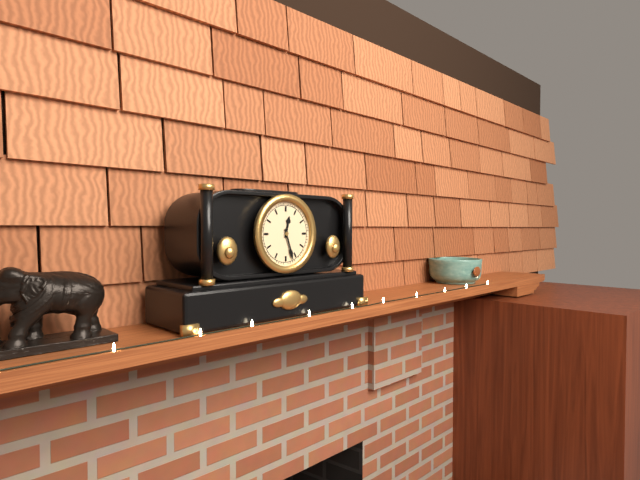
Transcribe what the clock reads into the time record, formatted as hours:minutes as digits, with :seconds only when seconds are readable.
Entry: 12:27
